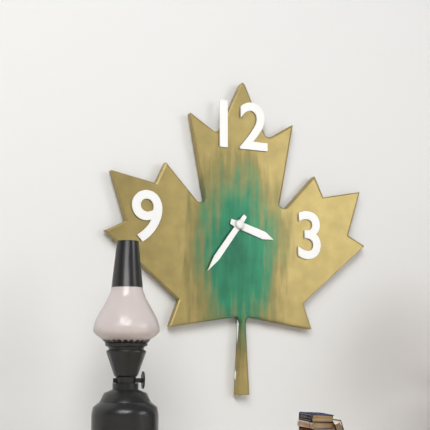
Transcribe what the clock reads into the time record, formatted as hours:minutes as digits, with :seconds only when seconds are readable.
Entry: 3:36
